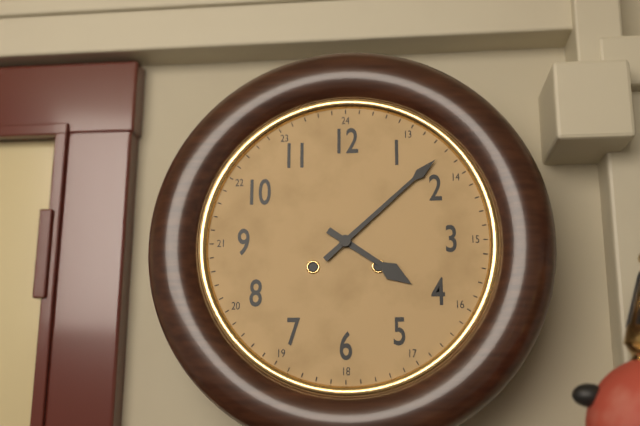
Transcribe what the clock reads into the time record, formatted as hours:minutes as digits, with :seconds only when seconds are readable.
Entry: 4:08
